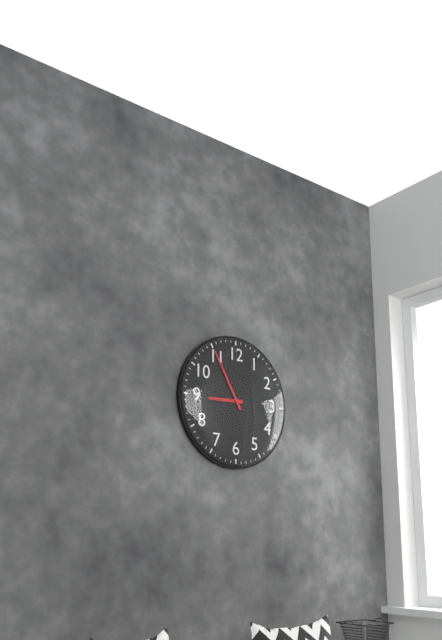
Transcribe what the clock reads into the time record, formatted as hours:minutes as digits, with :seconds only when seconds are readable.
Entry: 8:55
